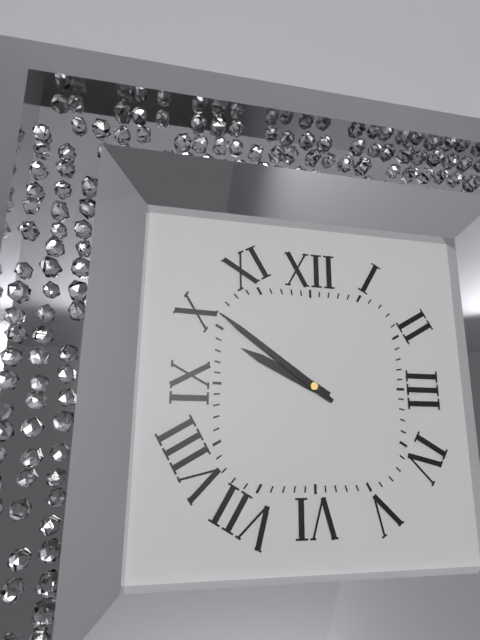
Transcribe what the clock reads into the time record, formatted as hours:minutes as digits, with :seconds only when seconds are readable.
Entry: 9:51
